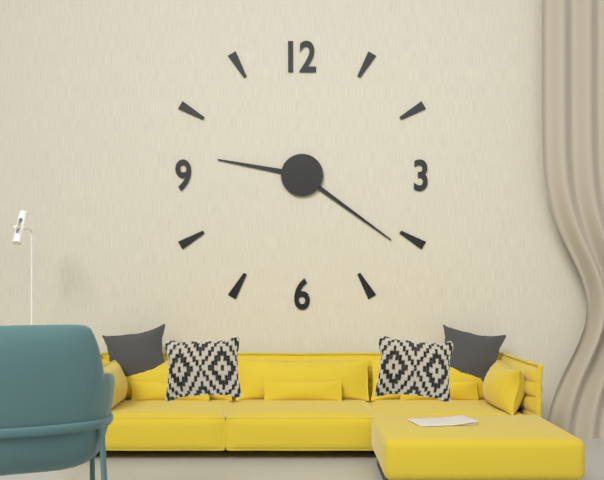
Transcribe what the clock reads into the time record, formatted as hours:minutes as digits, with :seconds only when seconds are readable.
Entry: 9:21
